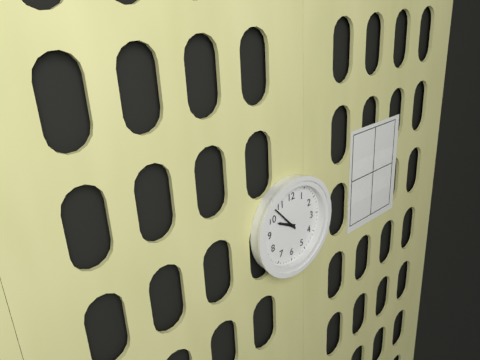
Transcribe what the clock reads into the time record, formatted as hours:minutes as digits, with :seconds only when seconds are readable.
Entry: 9:53
